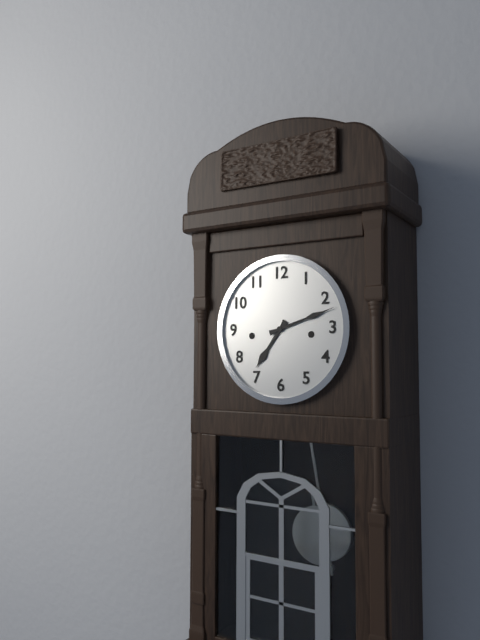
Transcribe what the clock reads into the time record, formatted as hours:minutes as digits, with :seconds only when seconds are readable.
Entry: 7:12
